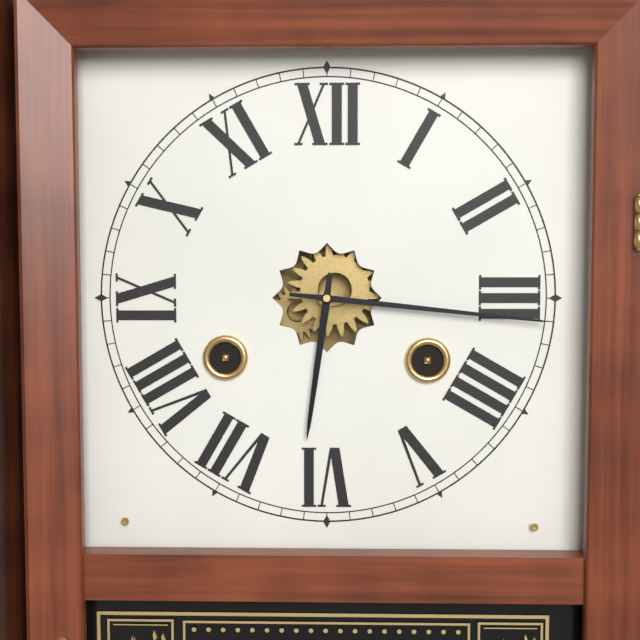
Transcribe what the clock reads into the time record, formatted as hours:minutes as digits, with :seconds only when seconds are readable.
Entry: 6:16
